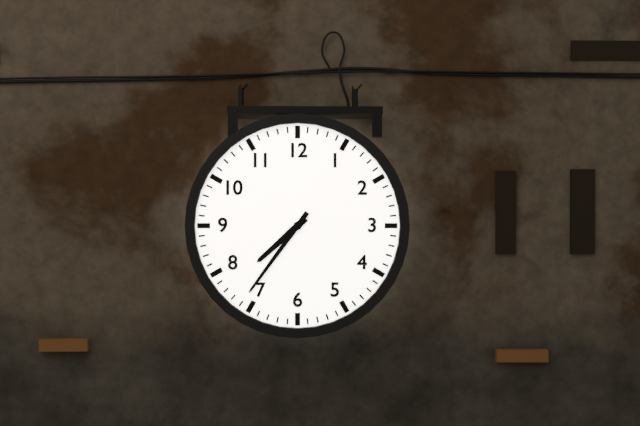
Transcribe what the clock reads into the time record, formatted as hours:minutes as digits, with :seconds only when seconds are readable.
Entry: 7:36
